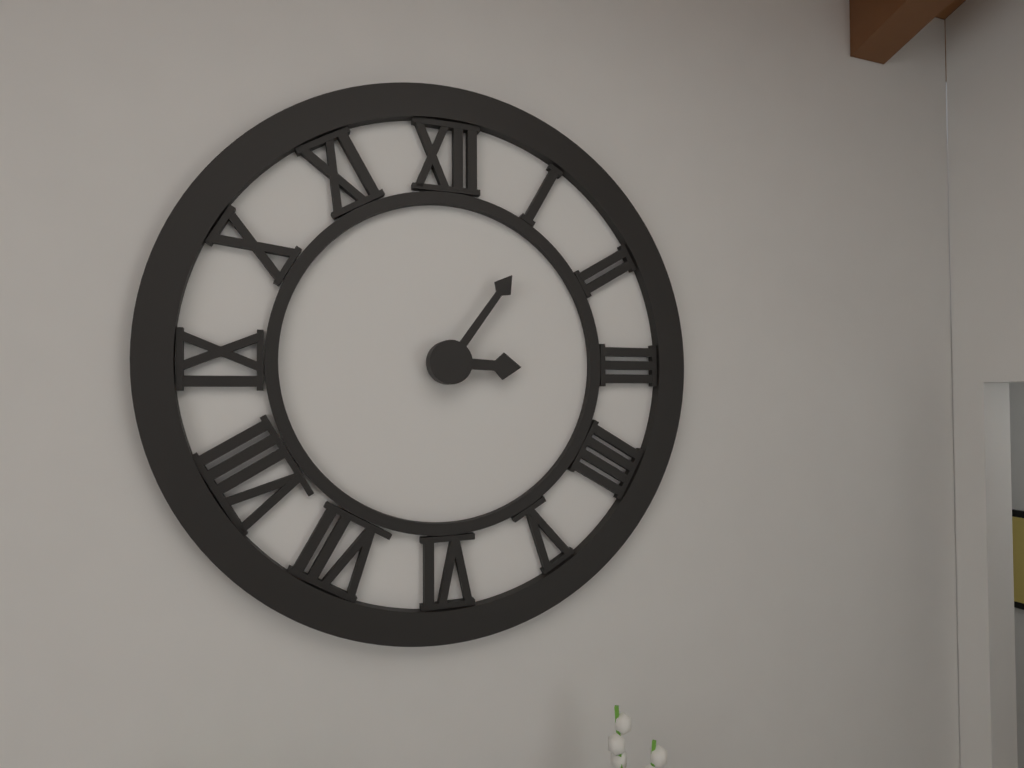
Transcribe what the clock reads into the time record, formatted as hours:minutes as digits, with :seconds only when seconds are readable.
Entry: 3:06
